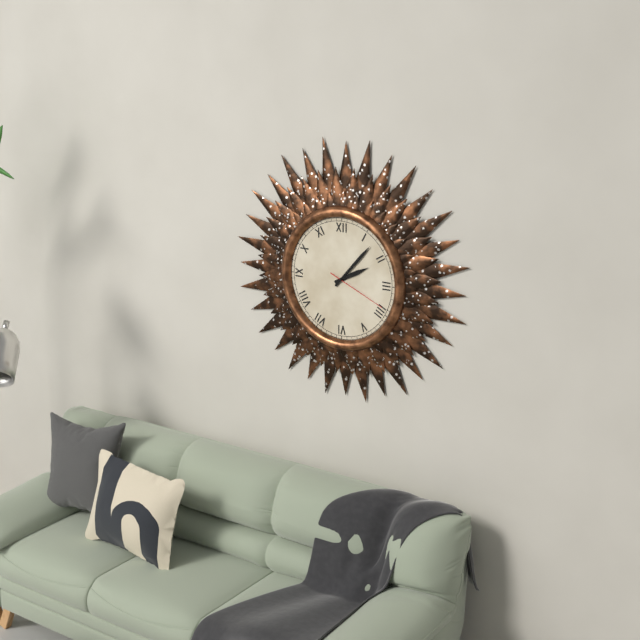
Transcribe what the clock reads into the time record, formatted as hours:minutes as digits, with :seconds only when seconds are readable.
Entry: 2:07:19
